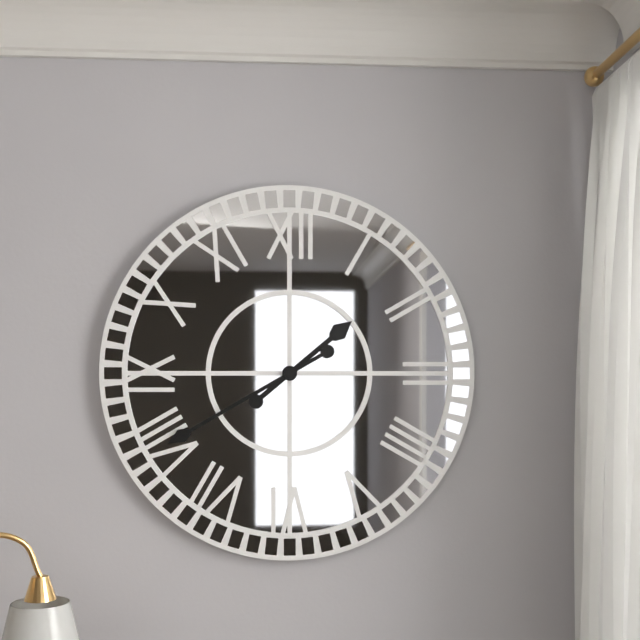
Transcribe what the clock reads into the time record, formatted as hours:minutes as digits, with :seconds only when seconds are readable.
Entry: 1:40
